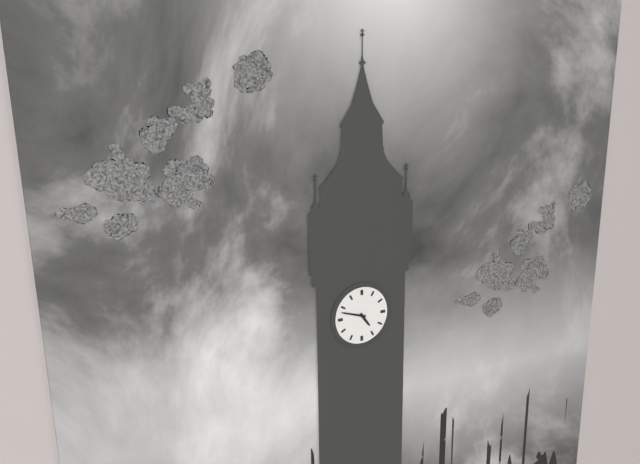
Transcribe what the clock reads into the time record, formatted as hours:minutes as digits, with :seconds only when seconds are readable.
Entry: 4:48
